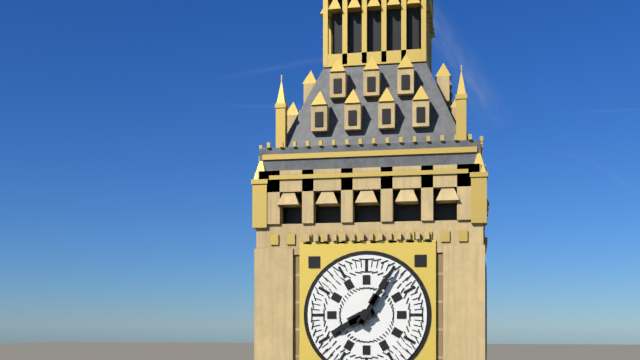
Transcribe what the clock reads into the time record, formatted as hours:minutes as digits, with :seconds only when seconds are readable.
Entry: 8:05
